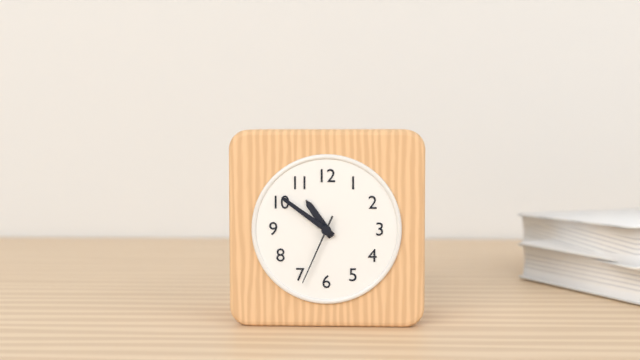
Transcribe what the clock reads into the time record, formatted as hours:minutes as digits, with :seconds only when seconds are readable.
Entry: 10:51:34
